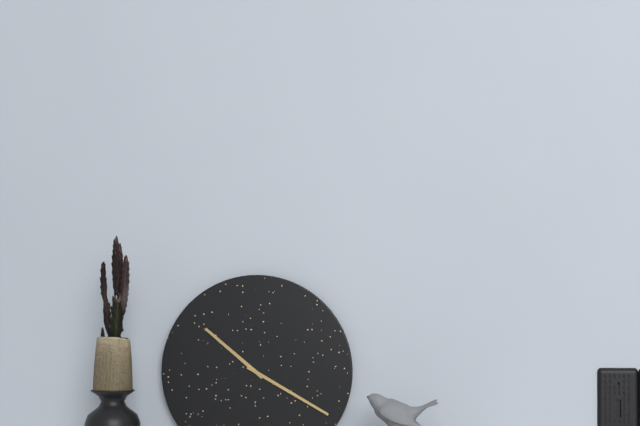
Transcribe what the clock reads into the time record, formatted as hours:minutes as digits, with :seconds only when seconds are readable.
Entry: 10:20
